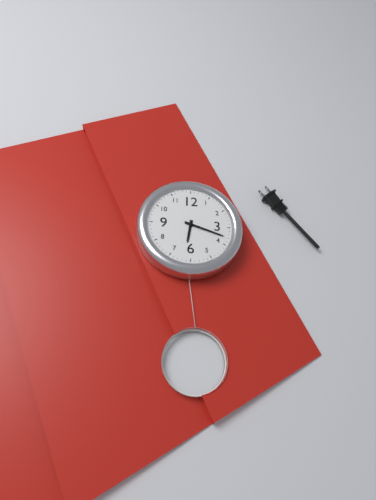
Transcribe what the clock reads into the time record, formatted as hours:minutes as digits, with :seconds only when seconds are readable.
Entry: 6:18
